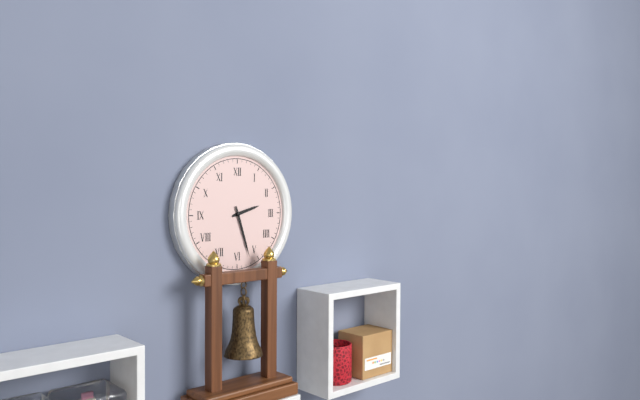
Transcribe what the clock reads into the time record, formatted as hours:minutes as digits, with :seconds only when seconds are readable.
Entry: 2:27
